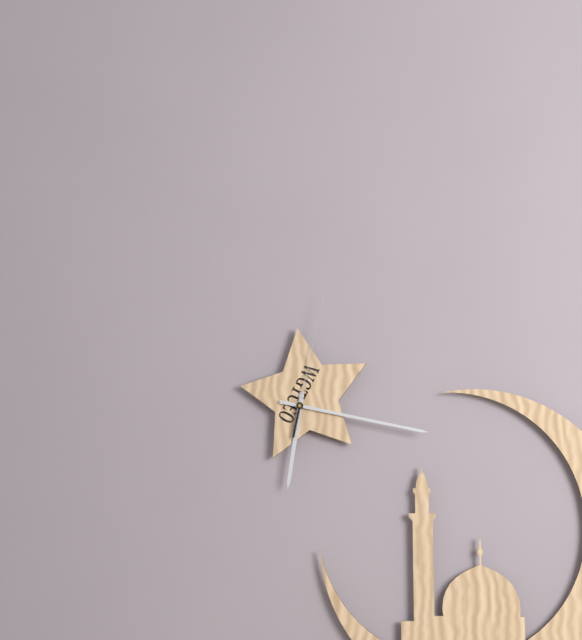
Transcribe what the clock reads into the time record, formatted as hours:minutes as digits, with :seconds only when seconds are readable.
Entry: 6:17:02
